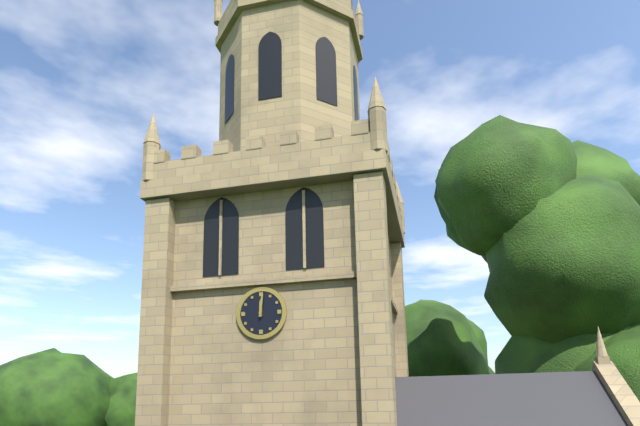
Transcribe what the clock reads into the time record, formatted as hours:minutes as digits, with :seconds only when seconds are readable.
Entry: 12:01
